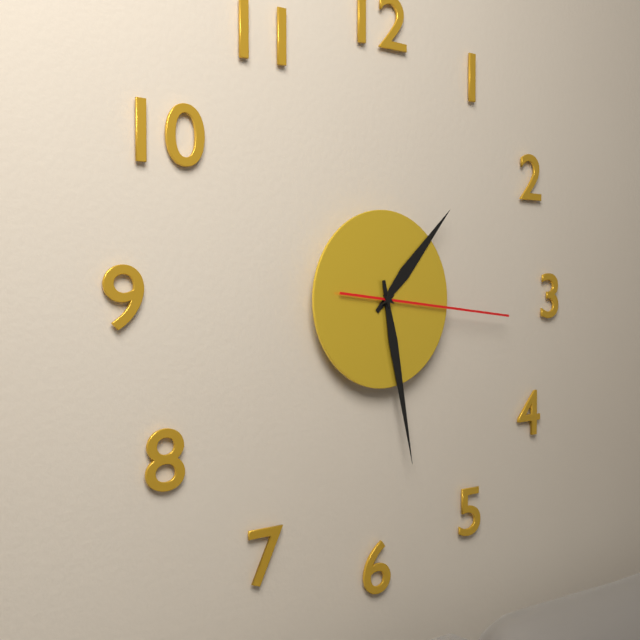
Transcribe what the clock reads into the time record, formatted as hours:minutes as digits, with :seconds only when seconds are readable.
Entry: 1:28:16
